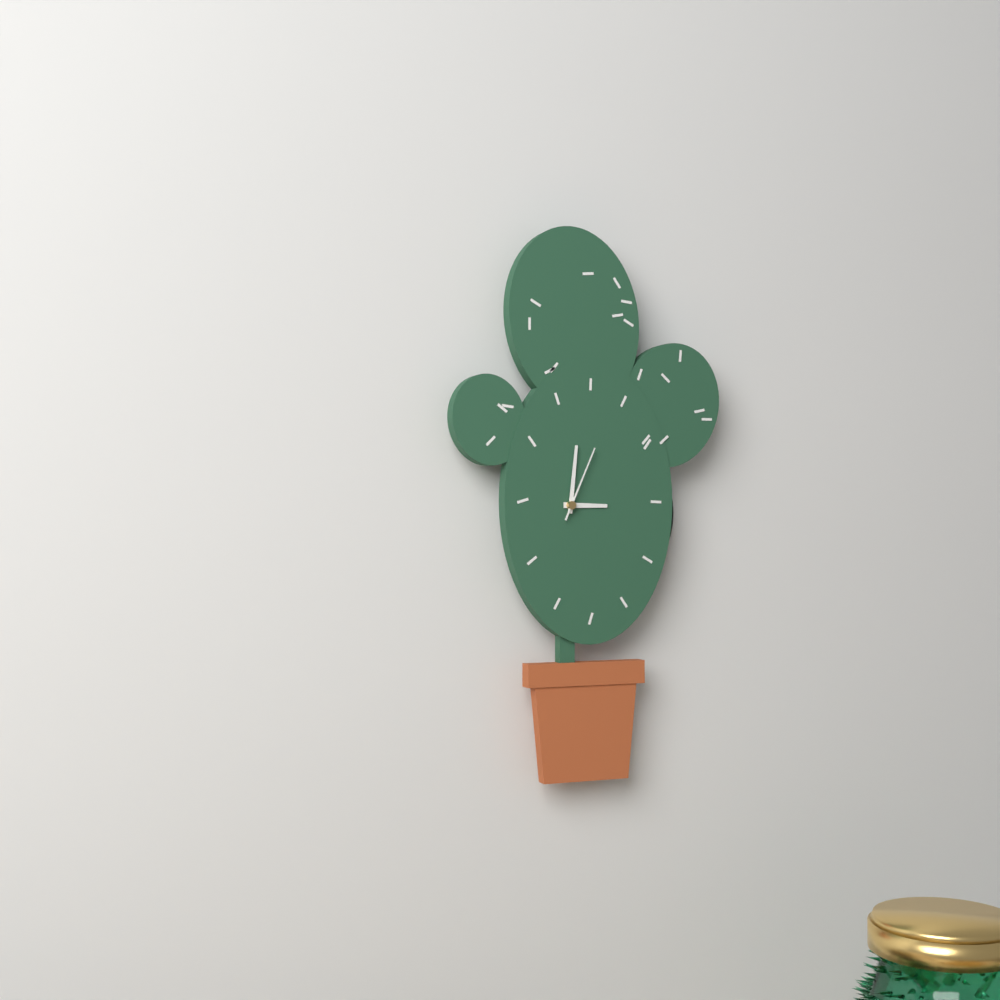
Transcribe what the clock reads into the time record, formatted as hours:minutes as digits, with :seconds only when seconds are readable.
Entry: 3:01:04
